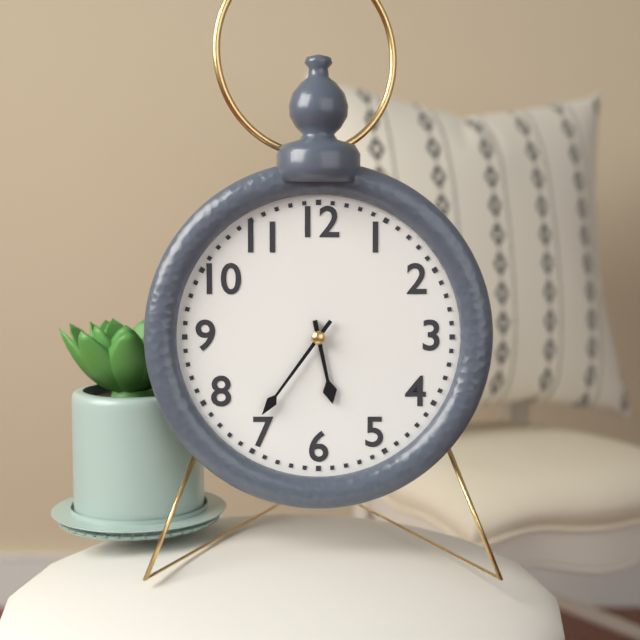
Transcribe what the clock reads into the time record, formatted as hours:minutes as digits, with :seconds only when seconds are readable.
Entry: 5:36
